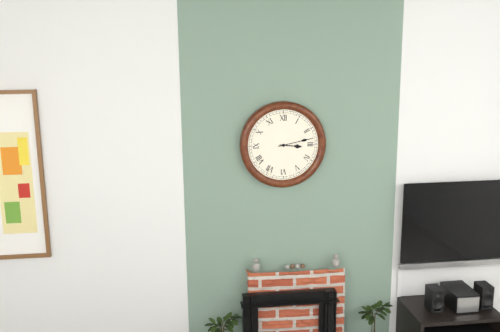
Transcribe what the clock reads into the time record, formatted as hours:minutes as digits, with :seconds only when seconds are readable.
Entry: 3:13
